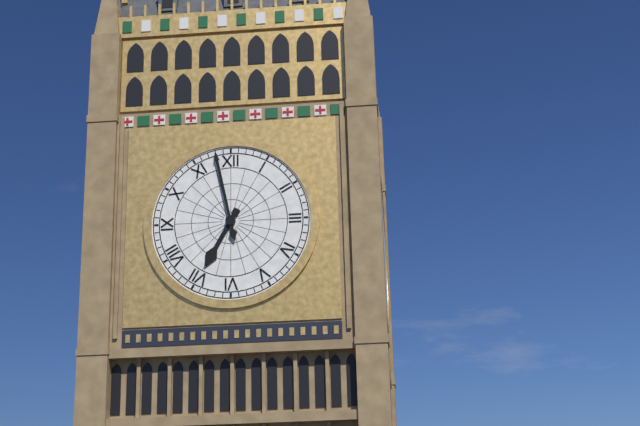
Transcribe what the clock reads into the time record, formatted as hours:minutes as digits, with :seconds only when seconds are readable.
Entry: 6:58
